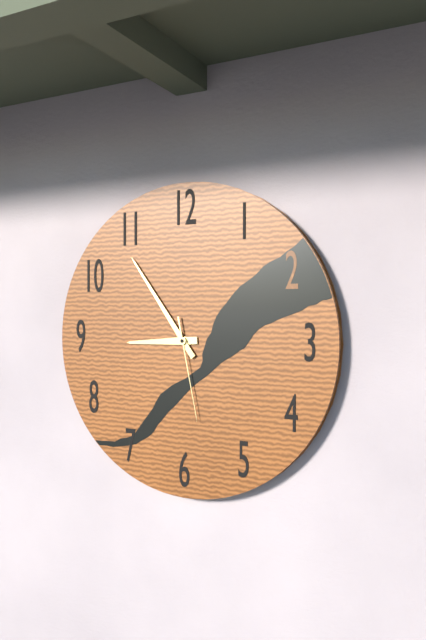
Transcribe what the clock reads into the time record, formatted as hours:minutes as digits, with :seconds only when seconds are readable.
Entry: 8:54:28
